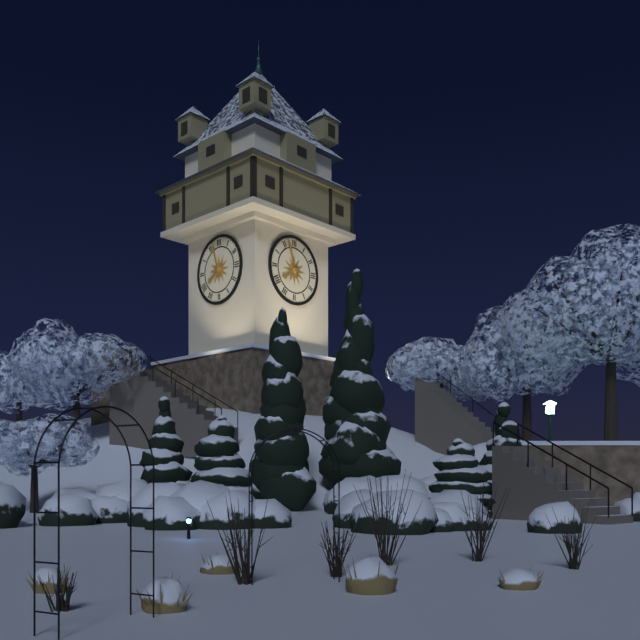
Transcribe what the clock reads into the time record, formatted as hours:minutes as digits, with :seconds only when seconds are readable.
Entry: 7:57
